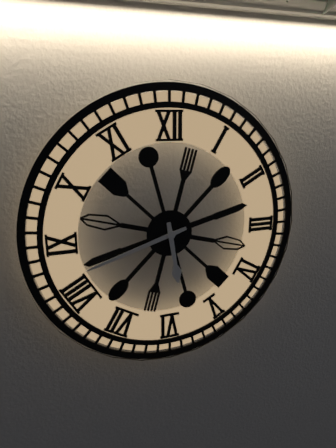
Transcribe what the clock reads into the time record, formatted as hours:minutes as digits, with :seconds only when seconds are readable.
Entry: 5:42
